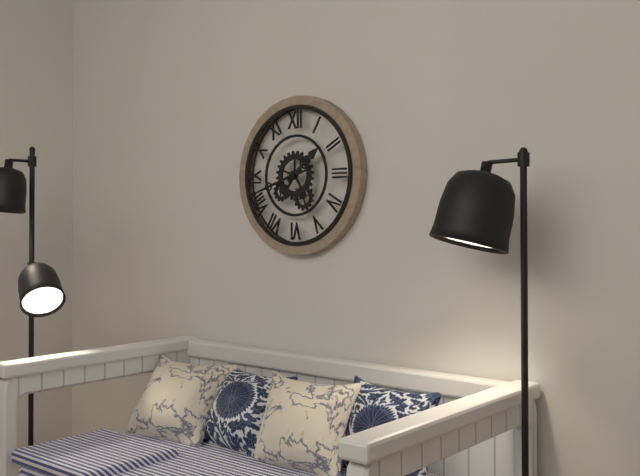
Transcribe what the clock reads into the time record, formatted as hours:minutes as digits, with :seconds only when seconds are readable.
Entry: 1:42
